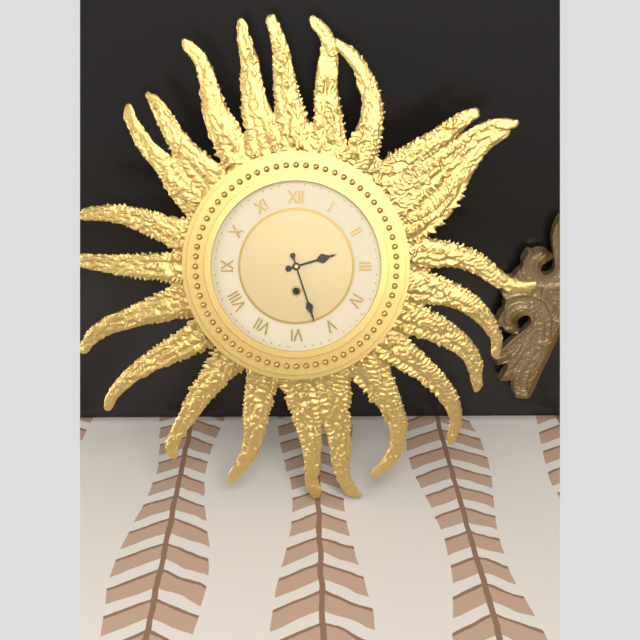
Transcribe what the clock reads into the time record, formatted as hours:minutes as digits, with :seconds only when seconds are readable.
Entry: 2:27
